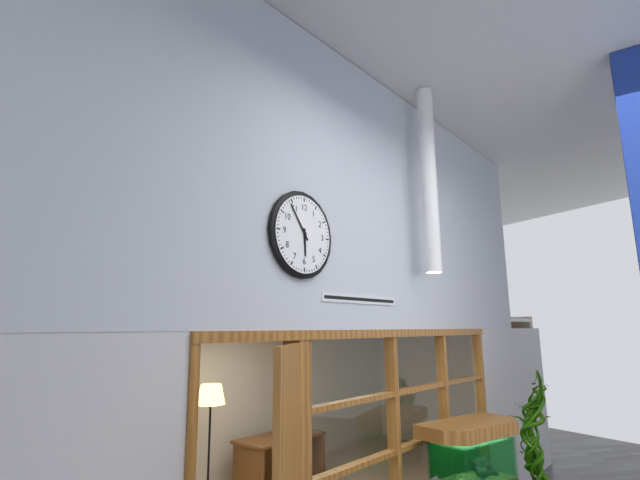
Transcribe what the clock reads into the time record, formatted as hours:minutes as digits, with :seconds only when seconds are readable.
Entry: 5:54
